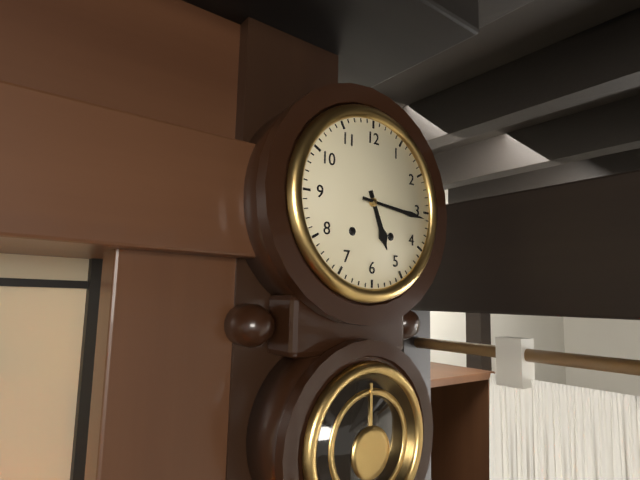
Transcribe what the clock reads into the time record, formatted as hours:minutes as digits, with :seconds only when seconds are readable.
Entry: 5:16
